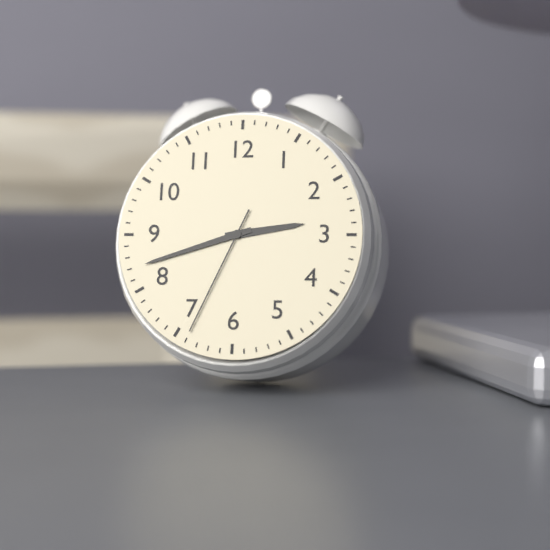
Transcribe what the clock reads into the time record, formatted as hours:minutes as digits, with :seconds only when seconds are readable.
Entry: 2:42:34
